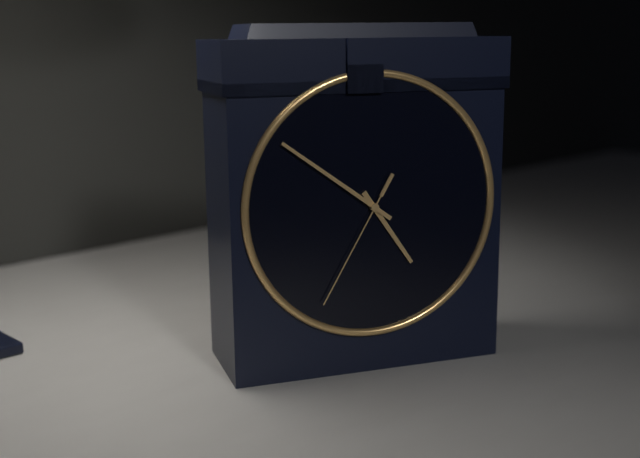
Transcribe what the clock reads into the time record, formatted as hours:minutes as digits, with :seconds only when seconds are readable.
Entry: 4:51:35
